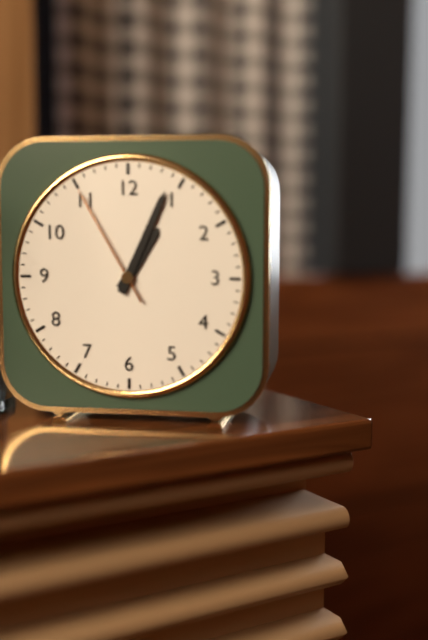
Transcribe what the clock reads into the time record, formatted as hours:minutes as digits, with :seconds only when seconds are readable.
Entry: 1:04:55
